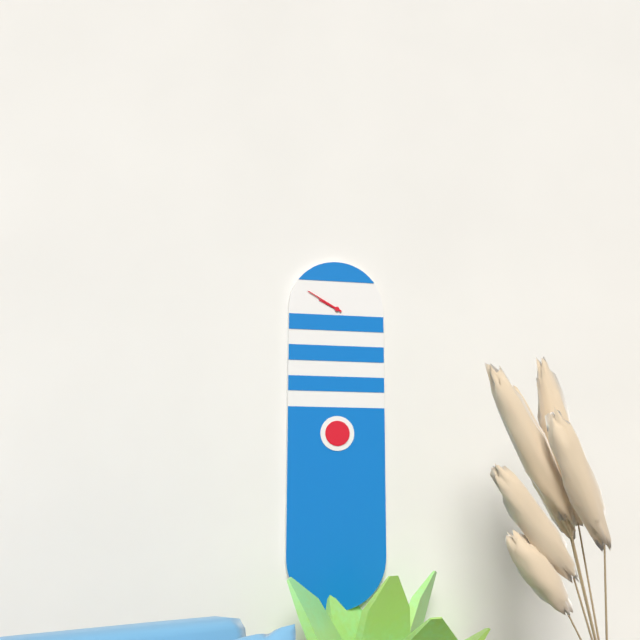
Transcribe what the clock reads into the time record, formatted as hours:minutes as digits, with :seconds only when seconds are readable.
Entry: 9:50
